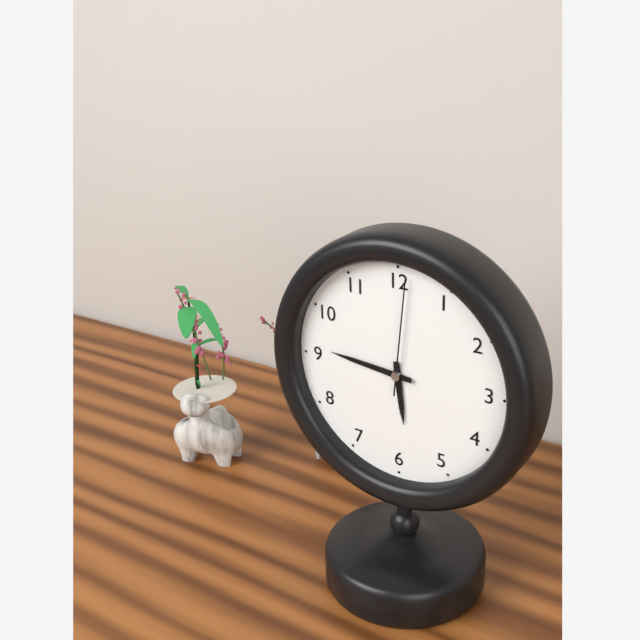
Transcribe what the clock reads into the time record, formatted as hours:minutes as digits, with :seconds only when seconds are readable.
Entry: 5:46:01
